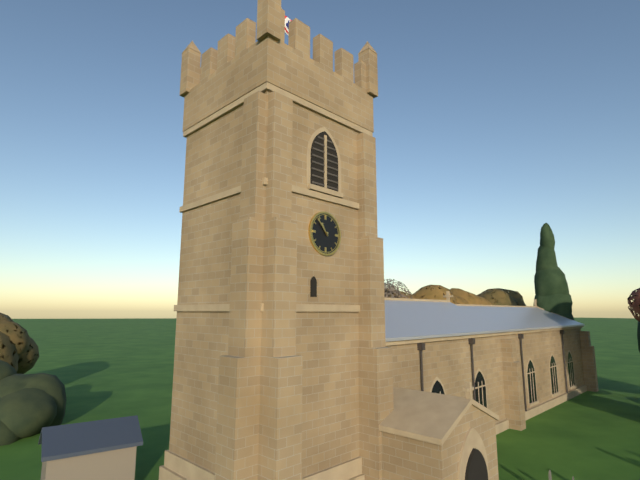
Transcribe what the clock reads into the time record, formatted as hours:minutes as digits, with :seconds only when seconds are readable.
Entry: 10:53
